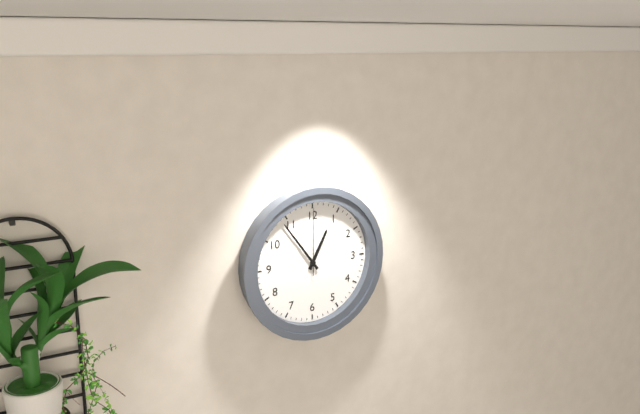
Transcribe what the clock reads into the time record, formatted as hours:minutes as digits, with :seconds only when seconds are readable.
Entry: 12:54:00
